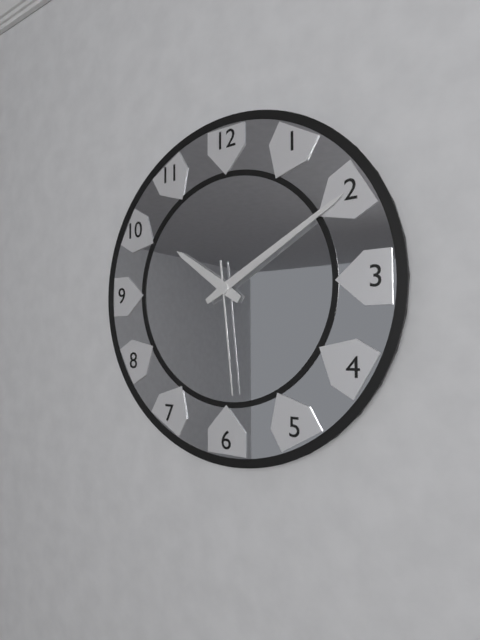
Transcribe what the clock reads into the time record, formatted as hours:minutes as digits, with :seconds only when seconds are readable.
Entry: 10:10:29
